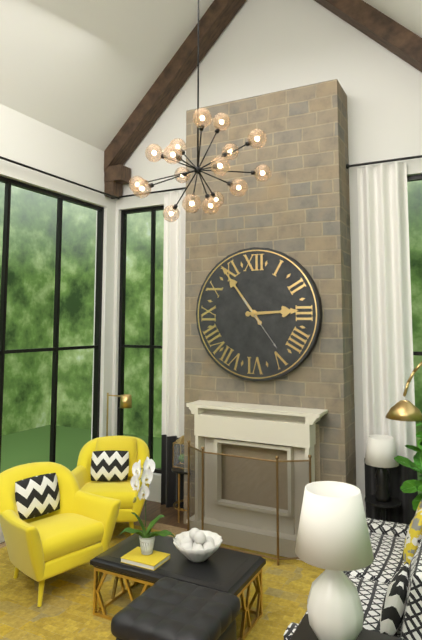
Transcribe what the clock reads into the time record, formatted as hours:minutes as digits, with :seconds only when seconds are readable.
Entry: 2:54:24
